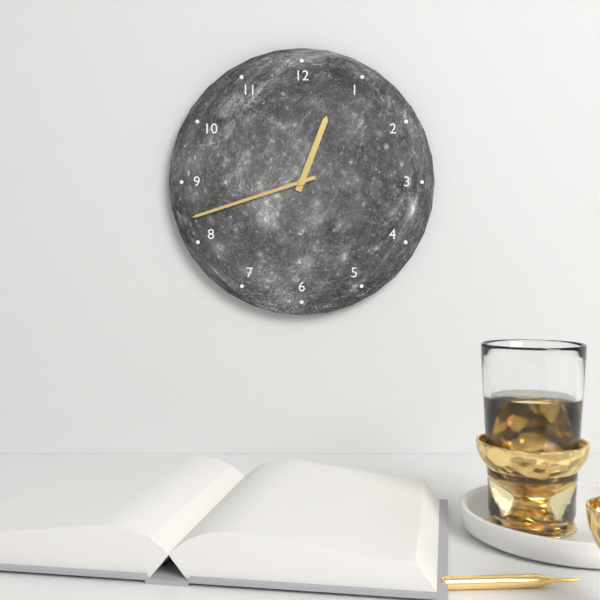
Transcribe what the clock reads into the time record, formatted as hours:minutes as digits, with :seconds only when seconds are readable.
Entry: 12:42
